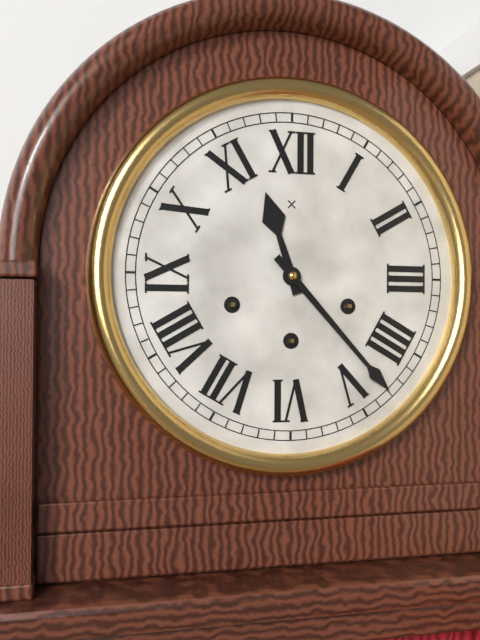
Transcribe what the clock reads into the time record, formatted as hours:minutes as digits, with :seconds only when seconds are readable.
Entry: 11:23
